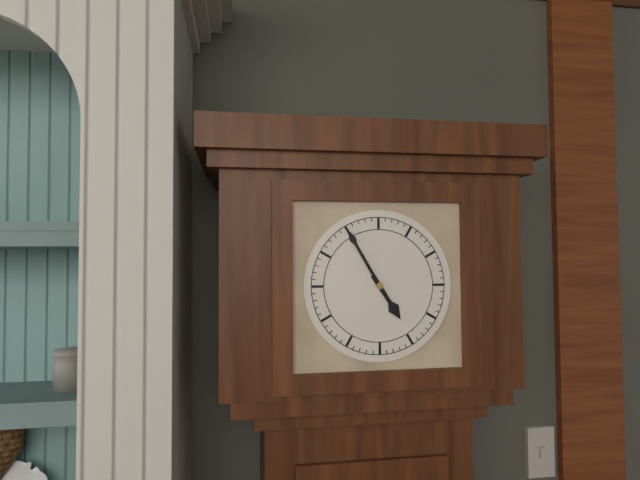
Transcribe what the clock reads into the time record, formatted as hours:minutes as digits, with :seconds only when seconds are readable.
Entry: 4:55
